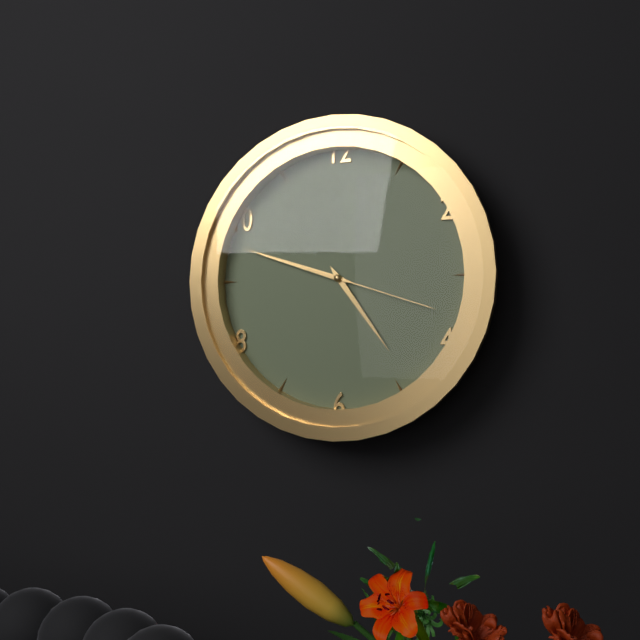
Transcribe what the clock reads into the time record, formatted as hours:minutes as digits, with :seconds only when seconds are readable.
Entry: 4:48:18
